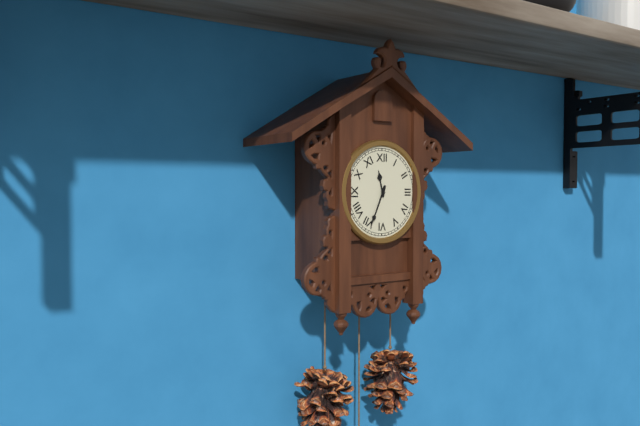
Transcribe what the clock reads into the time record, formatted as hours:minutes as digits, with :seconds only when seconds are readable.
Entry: 11:34
